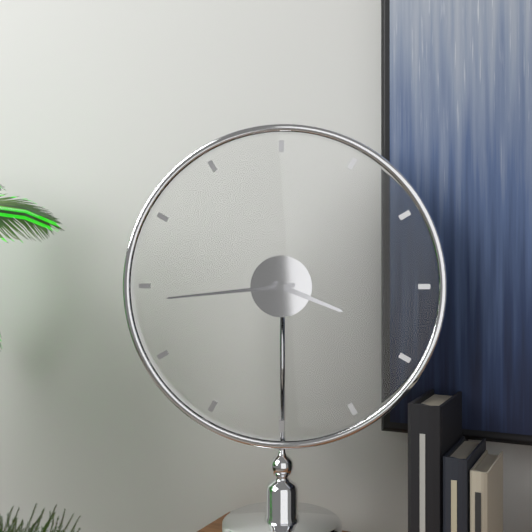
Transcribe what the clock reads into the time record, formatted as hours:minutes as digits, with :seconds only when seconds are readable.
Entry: 3:44
